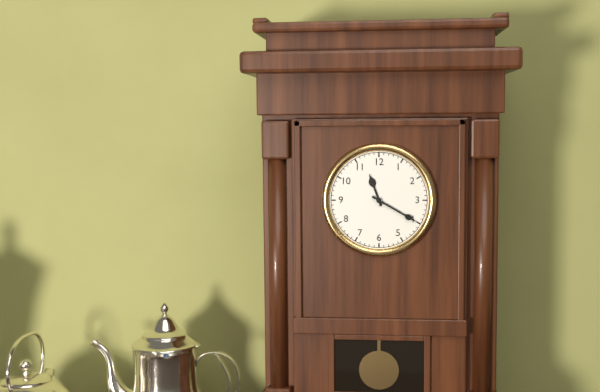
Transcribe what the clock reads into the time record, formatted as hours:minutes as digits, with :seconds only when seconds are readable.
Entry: 11:20
